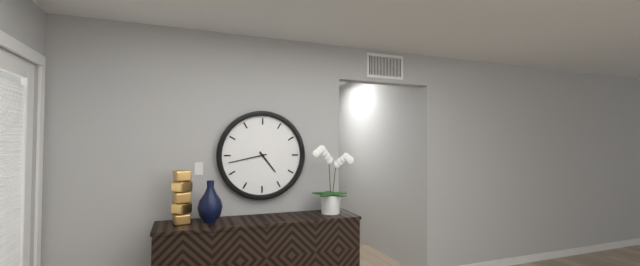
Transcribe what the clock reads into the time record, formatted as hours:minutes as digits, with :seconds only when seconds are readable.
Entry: 4:43
